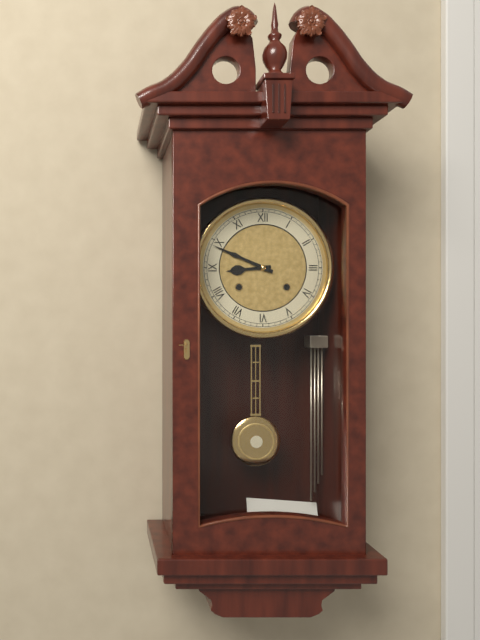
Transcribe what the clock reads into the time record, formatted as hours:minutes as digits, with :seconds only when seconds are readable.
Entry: 8:49
